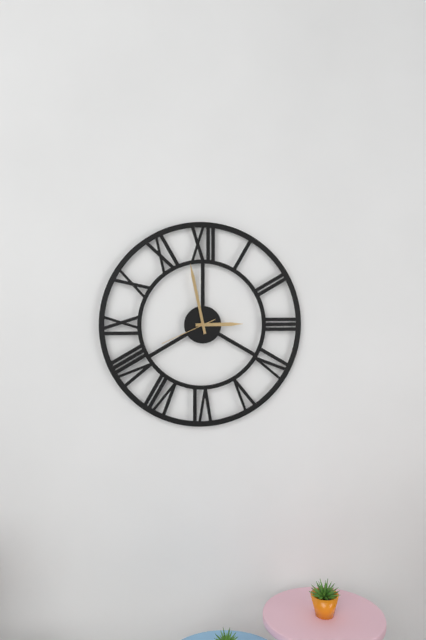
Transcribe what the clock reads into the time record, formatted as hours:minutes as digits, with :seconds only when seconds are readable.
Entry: 2:58:41
